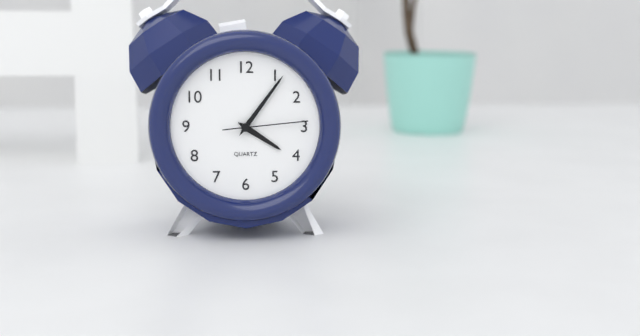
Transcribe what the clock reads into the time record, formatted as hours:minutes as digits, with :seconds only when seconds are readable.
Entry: 4:06:14
